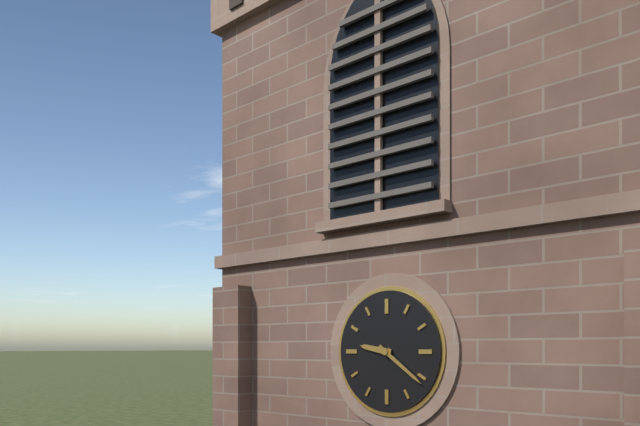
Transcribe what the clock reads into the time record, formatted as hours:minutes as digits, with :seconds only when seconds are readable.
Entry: 9:21
